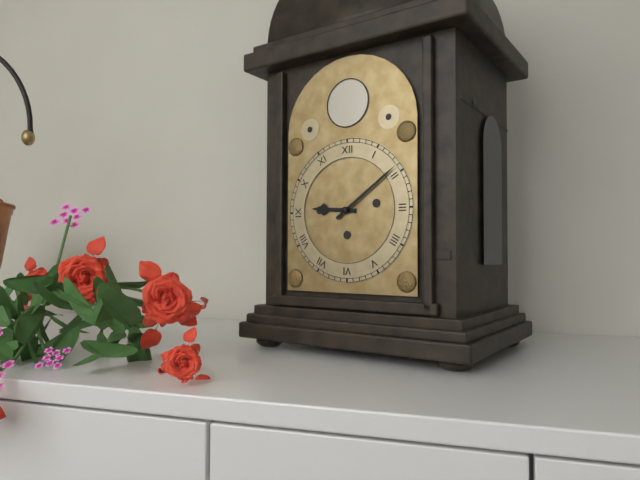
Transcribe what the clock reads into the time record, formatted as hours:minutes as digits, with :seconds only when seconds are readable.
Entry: 9:09
